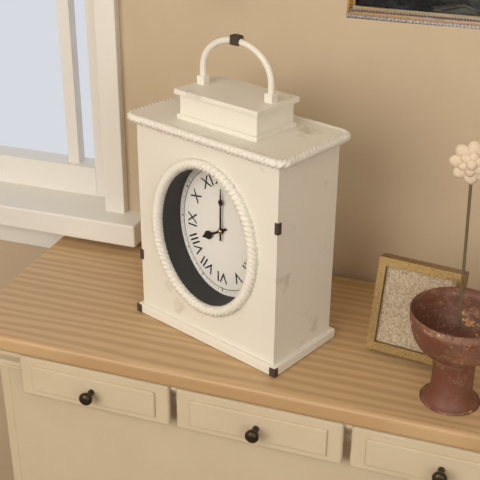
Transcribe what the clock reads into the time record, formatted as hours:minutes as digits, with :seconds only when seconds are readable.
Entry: 8:00
